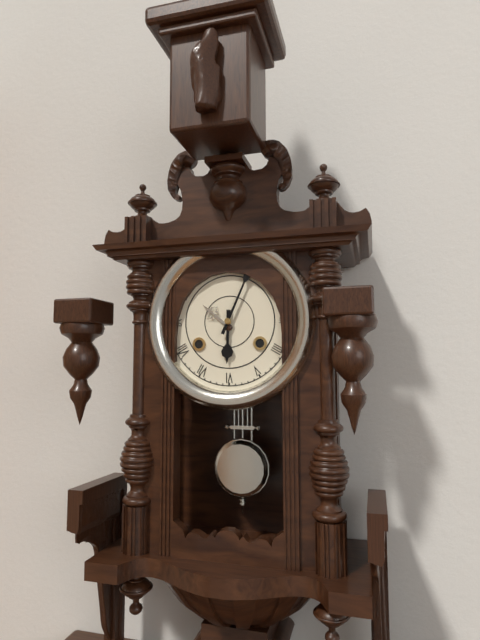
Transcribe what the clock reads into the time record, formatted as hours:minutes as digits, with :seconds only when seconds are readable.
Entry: 6:04
